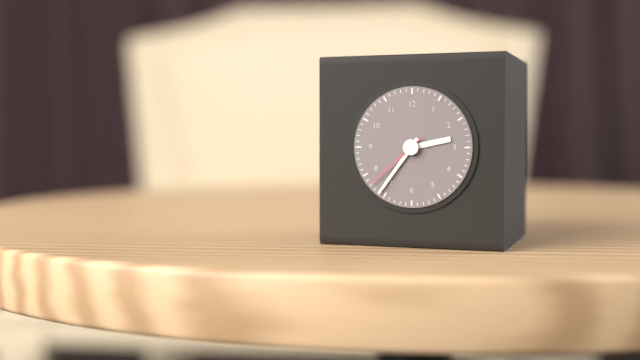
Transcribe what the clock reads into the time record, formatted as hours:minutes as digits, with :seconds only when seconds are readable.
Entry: 2:36:38
